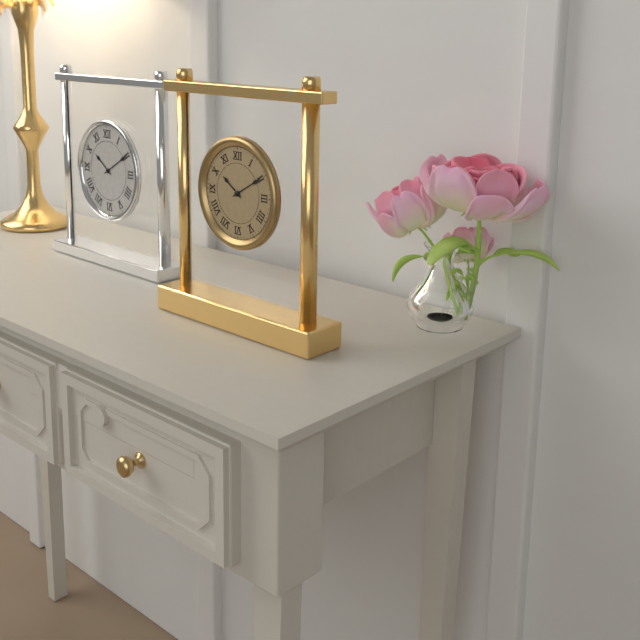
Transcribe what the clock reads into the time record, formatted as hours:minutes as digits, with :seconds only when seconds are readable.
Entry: 10:10
